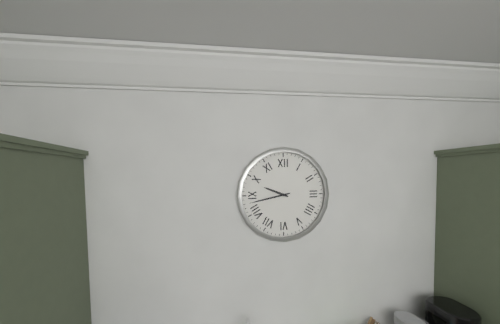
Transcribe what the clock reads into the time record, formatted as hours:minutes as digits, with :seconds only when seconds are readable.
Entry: 9:43
